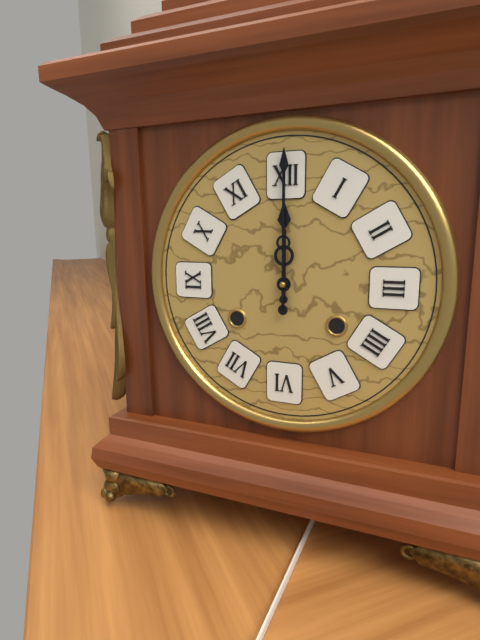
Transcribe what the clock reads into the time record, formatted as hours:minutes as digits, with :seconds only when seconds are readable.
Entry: 12:00
